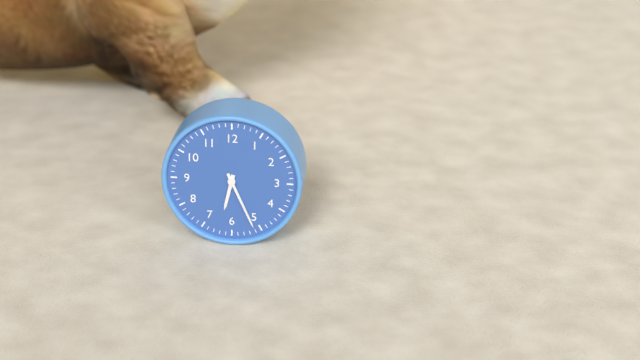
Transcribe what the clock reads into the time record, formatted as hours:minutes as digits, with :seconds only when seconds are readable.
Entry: 6:26
